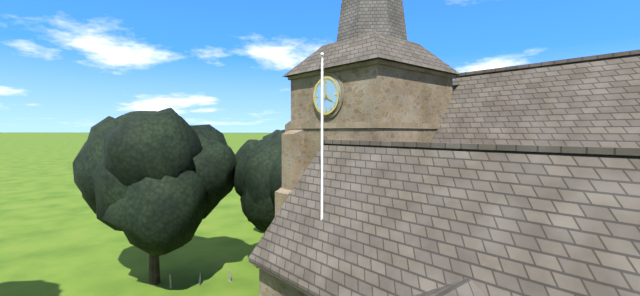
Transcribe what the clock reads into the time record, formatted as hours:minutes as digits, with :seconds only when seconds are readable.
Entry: 3:59
